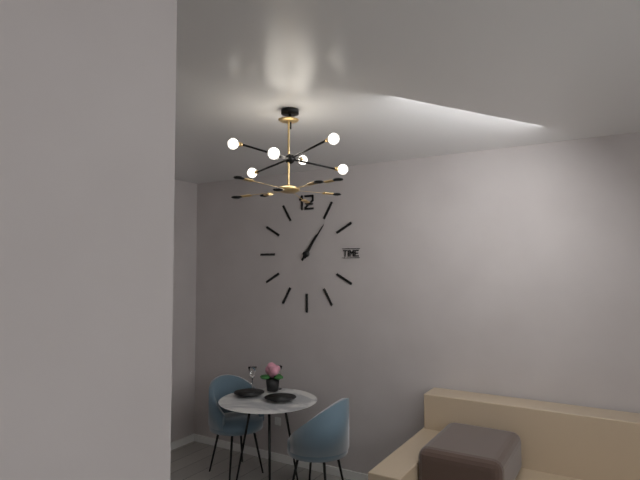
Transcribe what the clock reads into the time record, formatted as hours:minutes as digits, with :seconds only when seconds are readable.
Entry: 1:06
